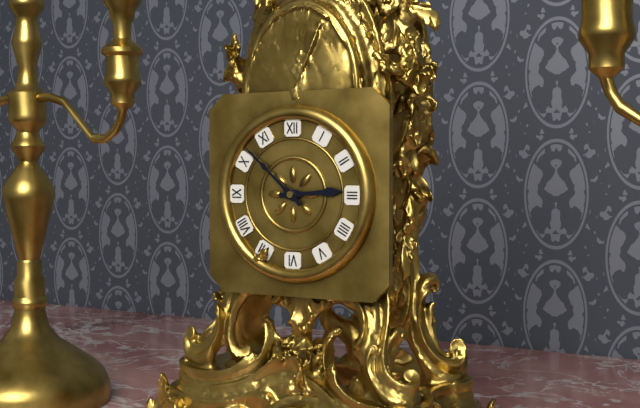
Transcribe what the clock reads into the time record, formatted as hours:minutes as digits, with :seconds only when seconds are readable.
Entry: 2:52
